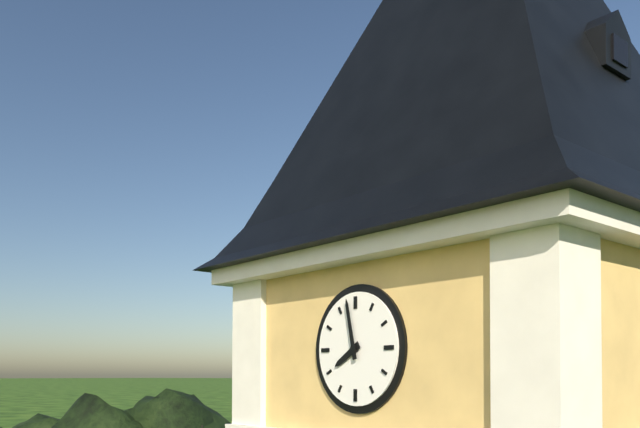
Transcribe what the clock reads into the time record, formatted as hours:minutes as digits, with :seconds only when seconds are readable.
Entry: 7:58
